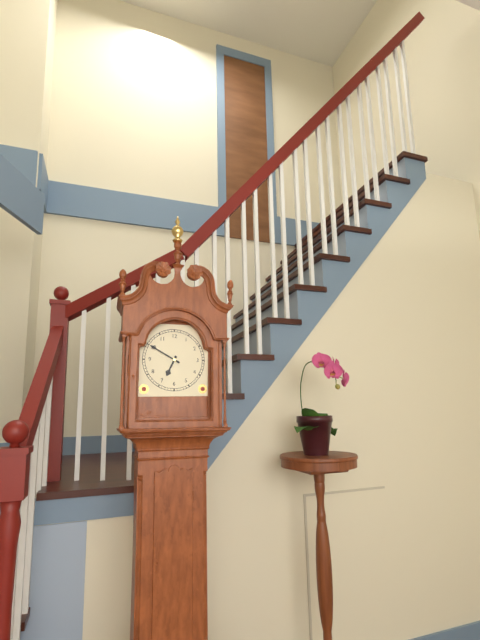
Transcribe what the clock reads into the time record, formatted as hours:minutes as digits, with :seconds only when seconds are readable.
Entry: 6:50
